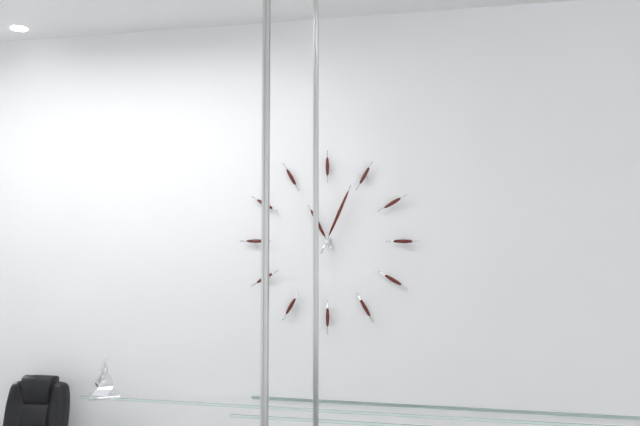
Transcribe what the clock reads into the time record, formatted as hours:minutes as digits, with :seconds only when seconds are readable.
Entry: 11:04
